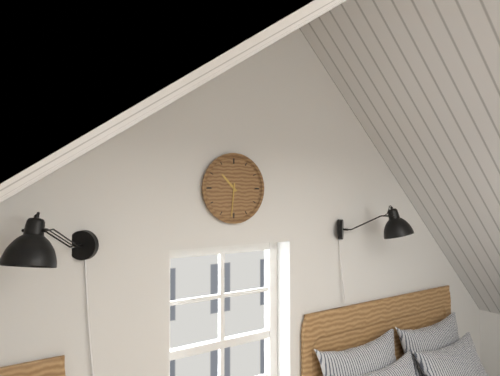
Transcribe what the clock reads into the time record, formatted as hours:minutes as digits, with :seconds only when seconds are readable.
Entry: 10:31
